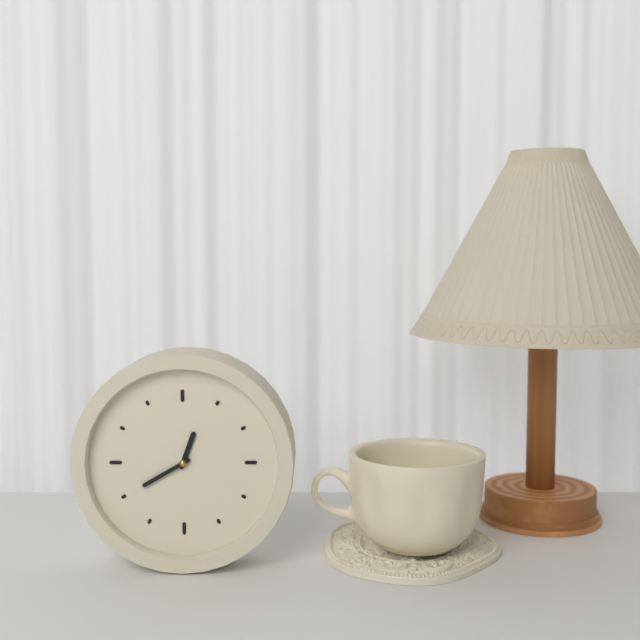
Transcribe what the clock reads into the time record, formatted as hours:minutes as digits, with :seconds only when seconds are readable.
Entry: 12:40
